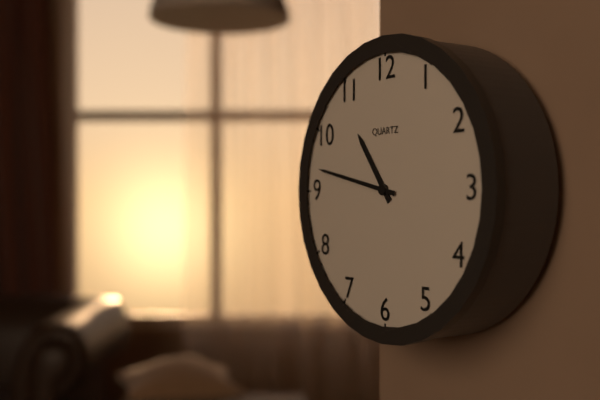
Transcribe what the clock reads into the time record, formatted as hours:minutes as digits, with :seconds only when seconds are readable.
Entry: 10:47
